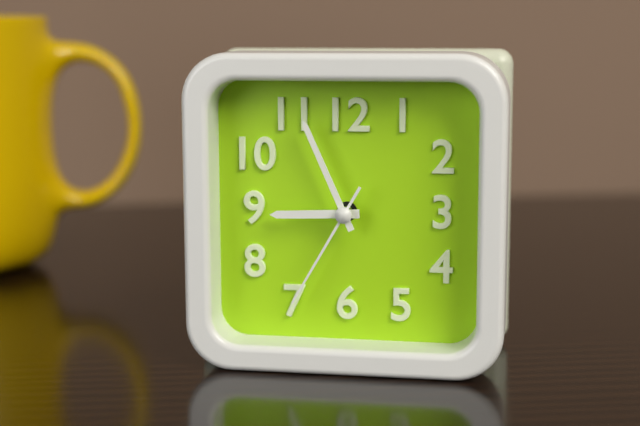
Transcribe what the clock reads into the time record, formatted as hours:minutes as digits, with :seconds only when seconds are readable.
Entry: 8:56:35
